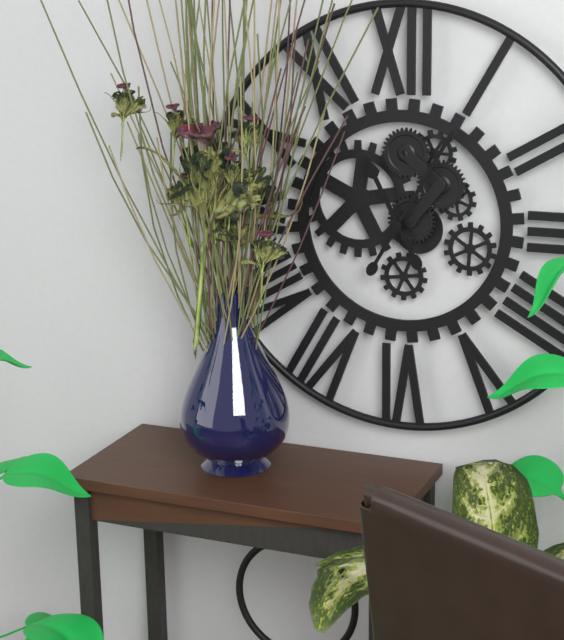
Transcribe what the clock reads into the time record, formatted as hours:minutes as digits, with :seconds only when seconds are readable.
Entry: 11:05
